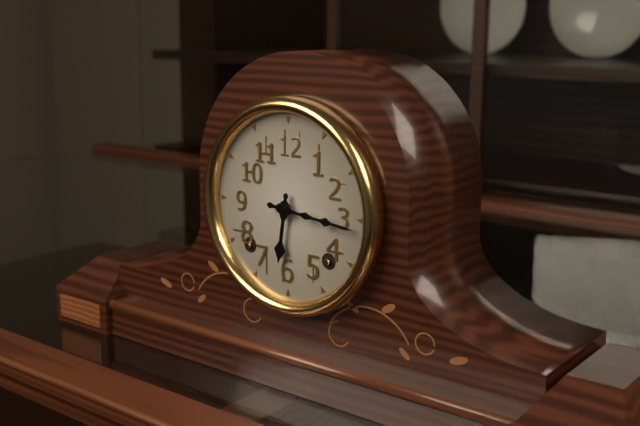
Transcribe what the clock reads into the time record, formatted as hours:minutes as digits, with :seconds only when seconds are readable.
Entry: 6:16
